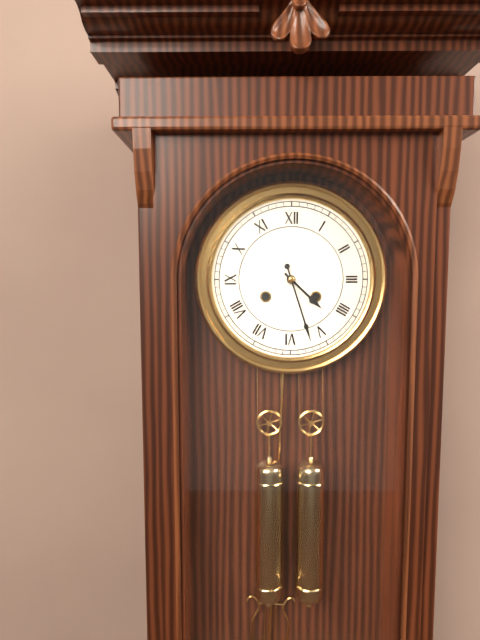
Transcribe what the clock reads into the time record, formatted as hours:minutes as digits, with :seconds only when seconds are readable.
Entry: 4:27
